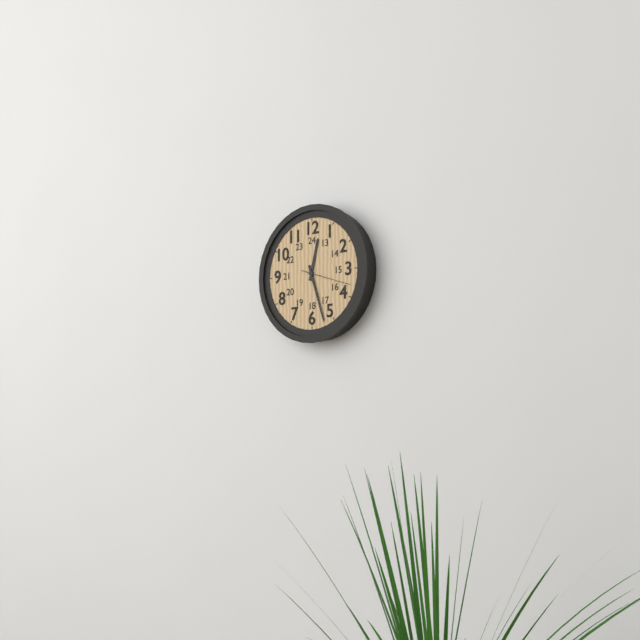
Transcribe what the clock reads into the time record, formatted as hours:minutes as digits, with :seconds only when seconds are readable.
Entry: 12:27
